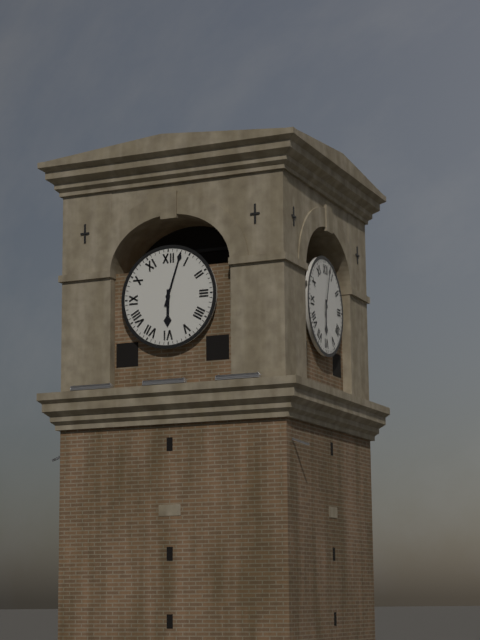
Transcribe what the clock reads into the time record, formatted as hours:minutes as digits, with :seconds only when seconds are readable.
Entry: 6:03
